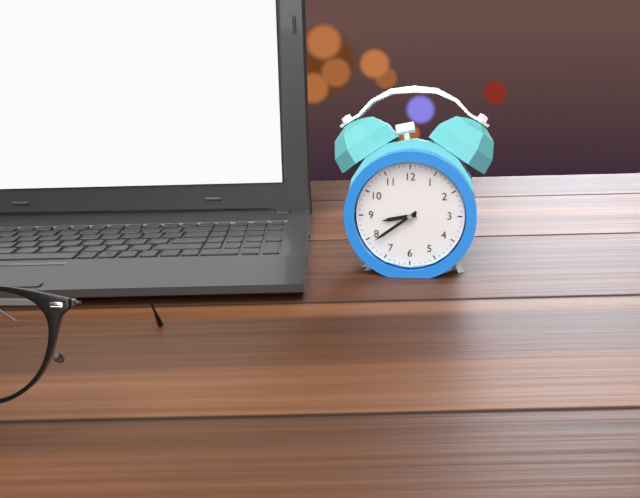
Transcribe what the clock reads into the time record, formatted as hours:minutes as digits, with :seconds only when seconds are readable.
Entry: 8:39
